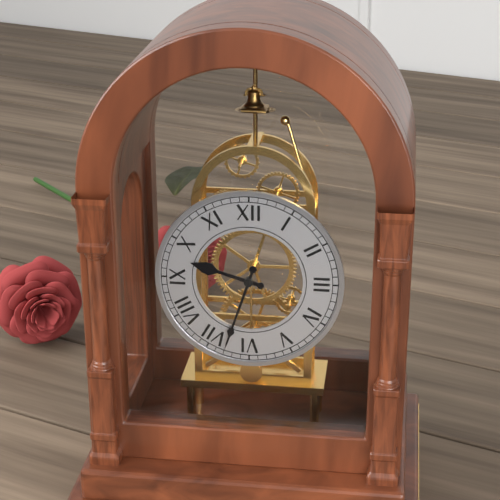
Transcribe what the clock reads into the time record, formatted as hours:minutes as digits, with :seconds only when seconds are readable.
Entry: 9:33
